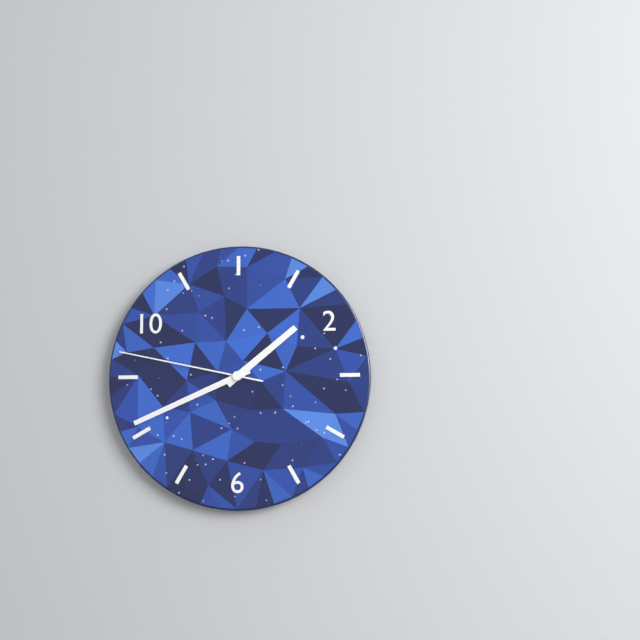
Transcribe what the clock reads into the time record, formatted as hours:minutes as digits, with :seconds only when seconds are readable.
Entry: 1:41:47
